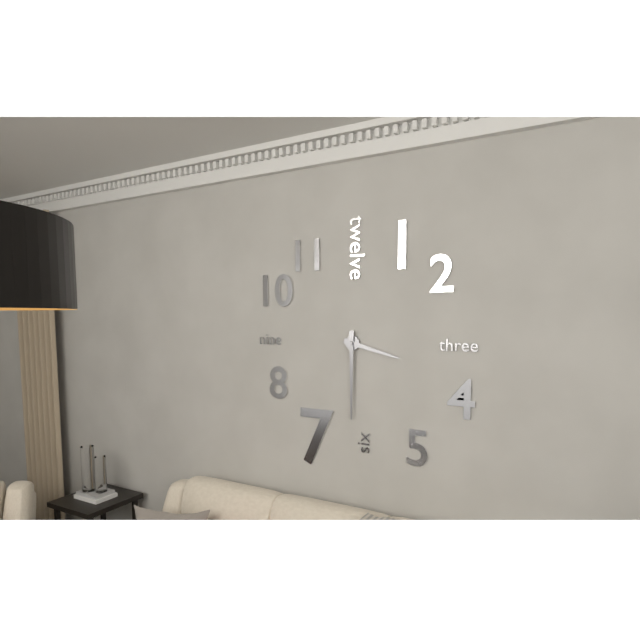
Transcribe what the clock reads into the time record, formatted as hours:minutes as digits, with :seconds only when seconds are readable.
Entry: 3:30
